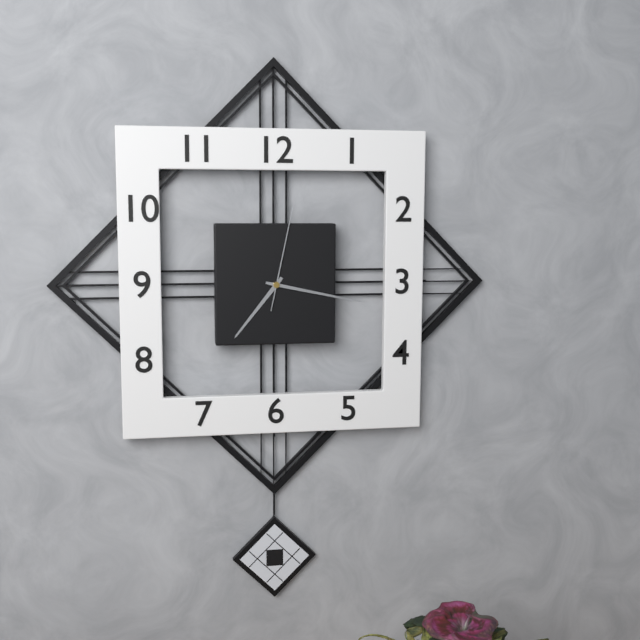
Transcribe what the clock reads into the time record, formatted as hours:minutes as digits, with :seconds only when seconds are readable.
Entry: 7:17:02
